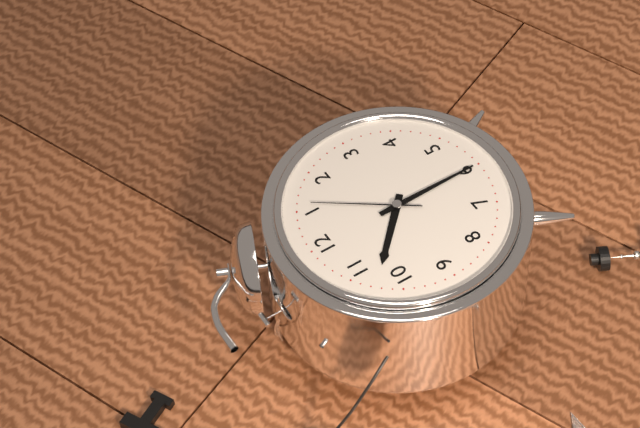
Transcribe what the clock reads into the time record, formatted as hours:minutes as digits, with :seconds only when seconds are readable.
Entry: 10:30:06
